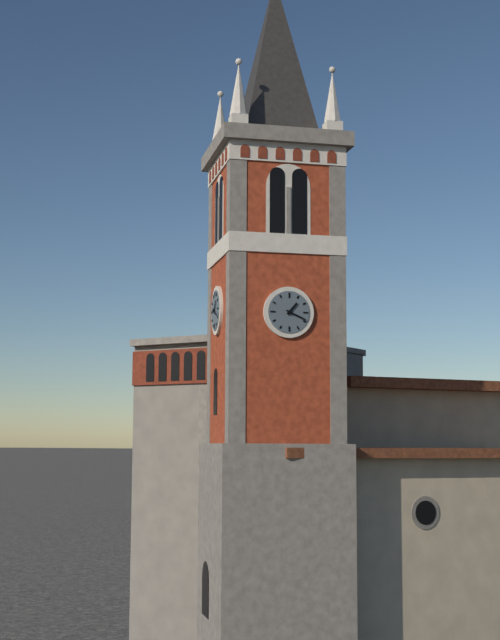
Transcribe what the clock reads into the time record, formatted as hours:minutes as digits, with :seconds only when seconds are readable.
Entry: 1:19
